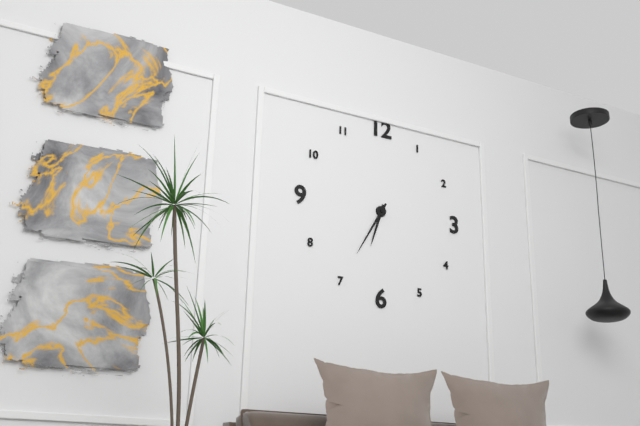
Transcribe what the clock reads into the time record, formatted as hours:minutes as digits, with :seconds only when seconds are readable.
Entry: 6:35
